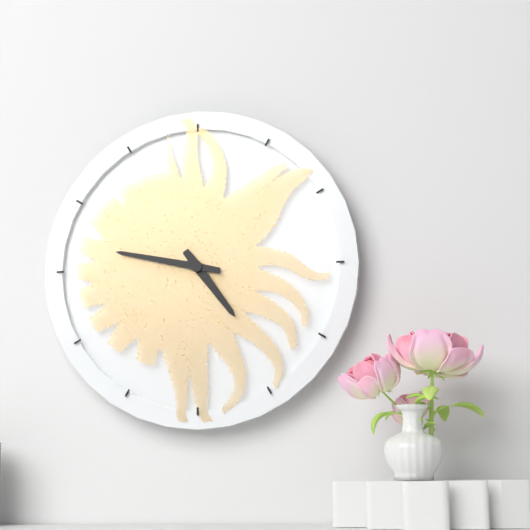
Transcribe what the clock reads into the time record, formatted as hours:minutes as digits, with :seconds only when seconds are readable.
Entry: 4:47
